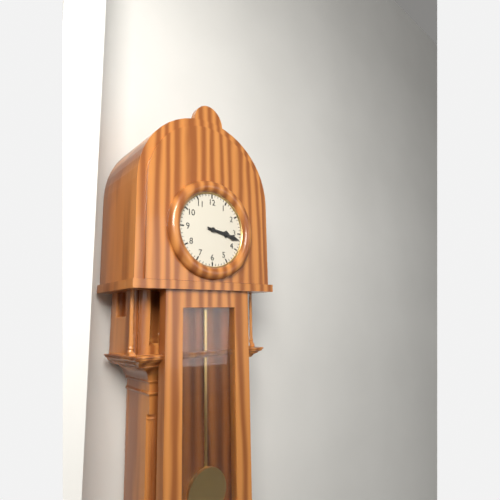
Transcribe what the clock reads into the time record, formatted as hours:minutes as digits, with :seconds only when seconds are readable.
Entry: 3:17
